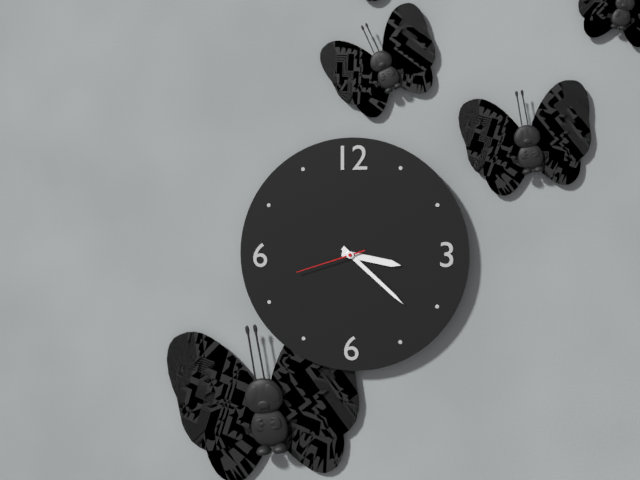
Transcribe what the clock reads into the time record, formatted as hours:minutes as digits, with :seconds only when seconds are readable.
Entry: 3:22:42
